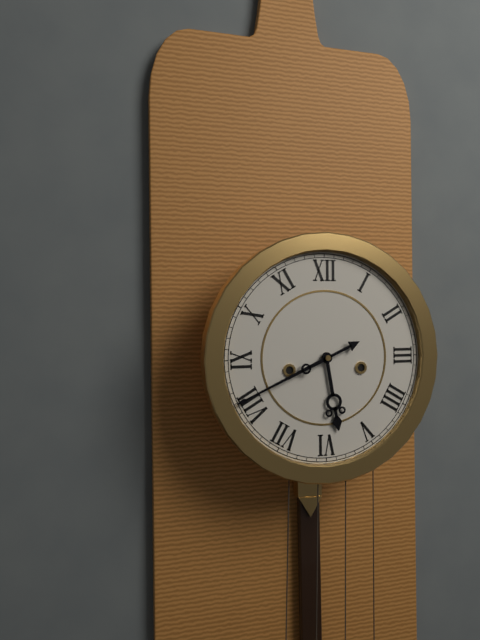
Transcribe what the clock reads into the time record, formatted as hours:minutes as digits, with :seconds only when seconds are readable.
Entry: 5:41
